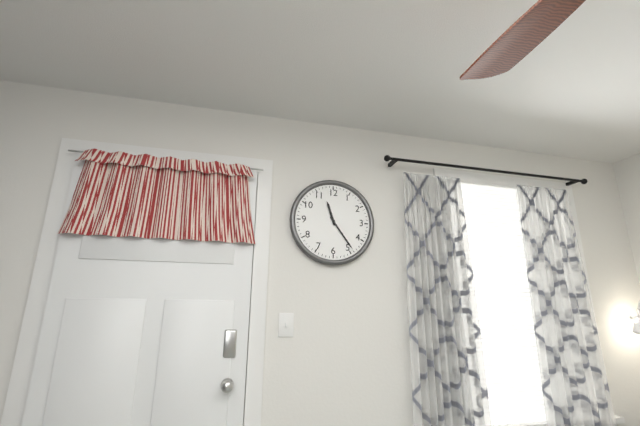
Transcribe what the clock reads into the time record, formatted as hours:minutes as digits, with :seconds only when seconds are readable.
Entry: 11:24
